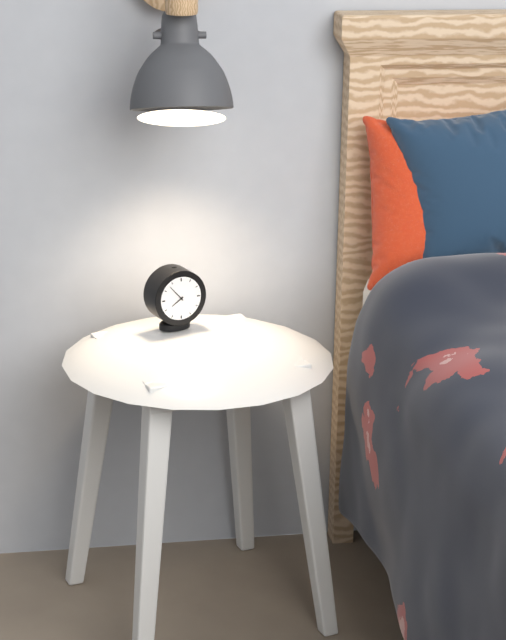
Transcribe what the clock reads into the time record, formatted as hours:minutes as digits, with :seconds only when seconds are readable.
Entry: 7:53
